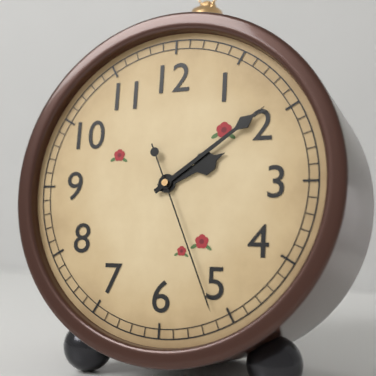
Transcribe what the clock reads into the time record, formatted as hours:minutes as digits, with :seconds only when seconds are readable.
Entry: 2:09:26
